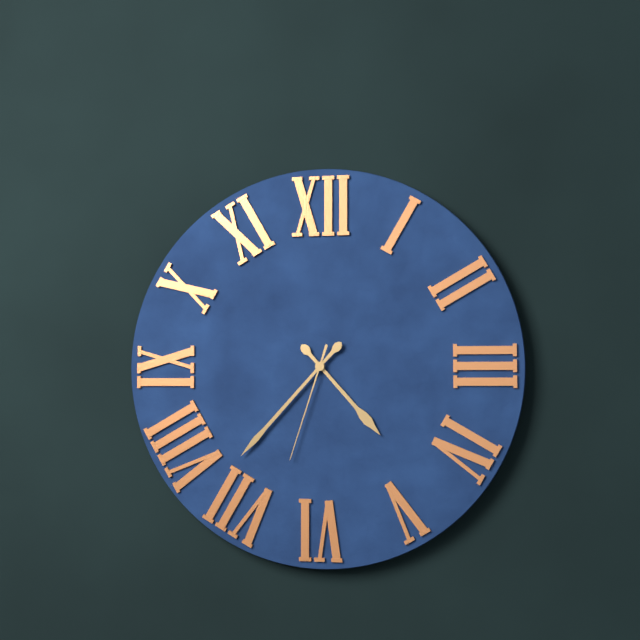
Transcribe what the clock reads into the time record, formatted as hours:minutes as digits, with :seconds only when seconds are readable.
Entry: 4:37:33
